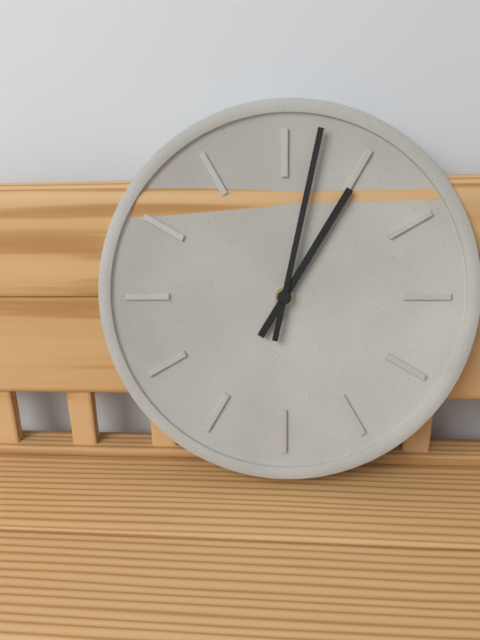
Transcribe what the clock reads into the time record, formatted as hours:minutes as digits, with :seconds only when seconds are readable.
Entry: 1:02
